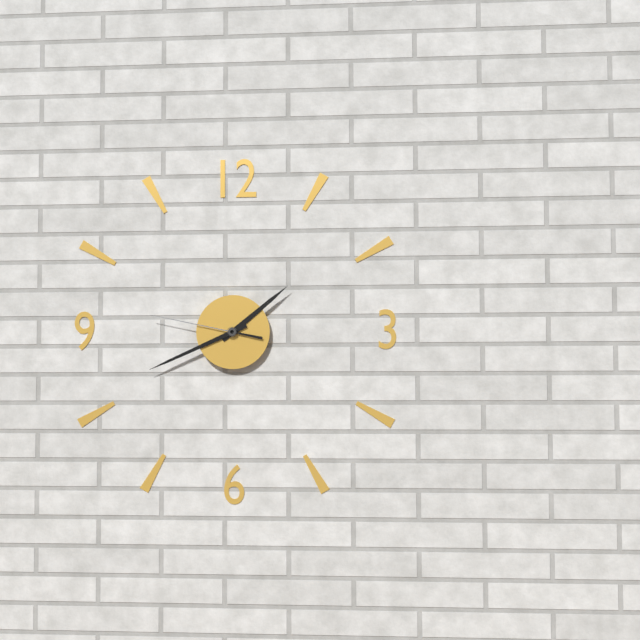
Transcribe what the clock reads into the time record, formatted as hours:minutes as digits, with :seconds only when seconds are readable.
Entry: 1:41:47
